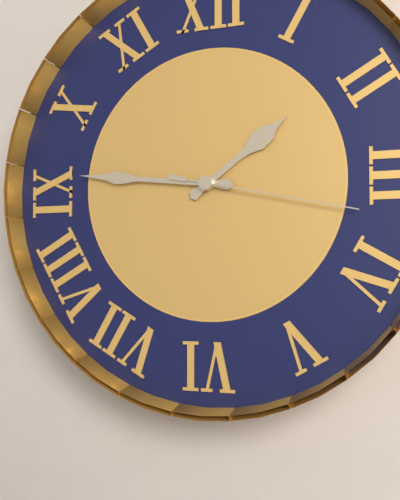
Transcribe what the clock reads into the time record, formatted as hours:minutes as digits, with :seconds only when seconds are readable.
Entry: 1:46:17
